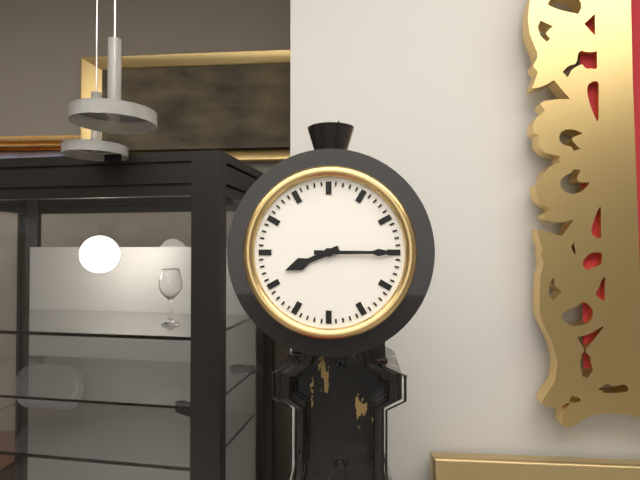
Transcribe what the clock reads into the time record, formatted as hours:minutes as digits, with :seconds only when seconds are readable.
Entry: 8:15
